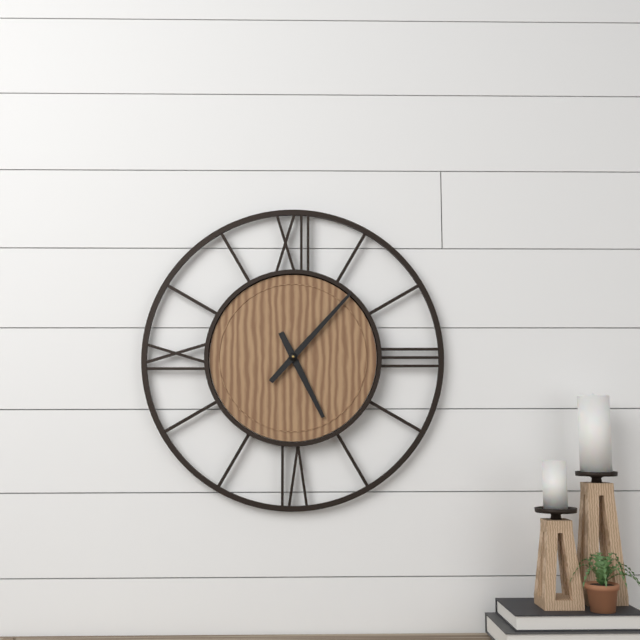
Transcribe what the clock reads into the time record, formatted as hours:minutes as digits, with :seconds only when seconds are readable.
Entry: 5:07
